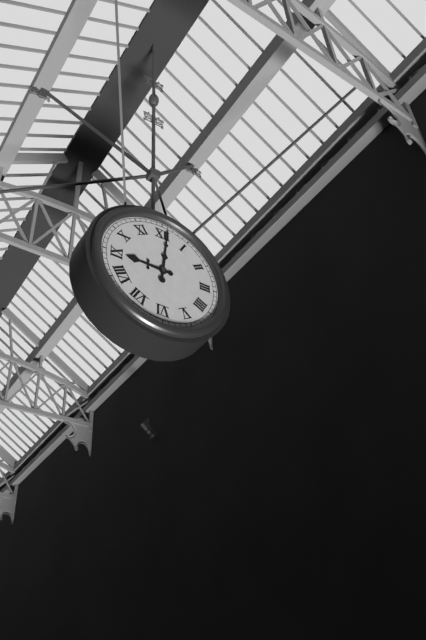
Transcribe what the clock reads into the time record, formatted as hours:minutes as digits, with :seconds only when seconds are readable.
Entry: 9:01
